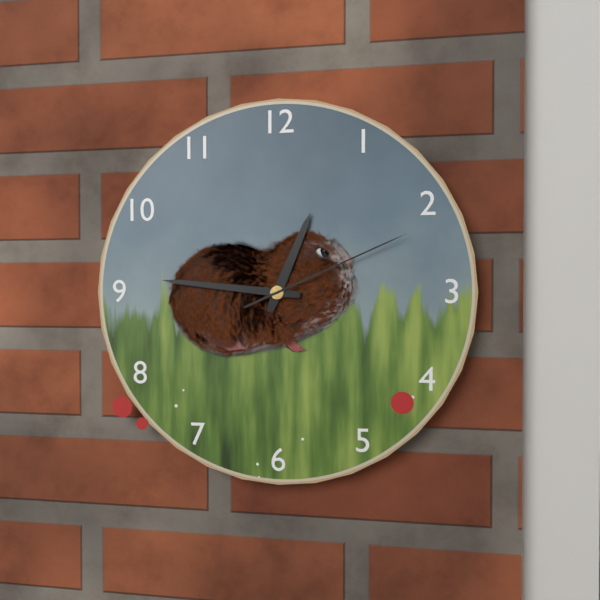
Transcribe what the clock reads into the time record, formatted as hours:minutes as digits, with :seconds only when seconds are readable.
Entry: 12:46:11
